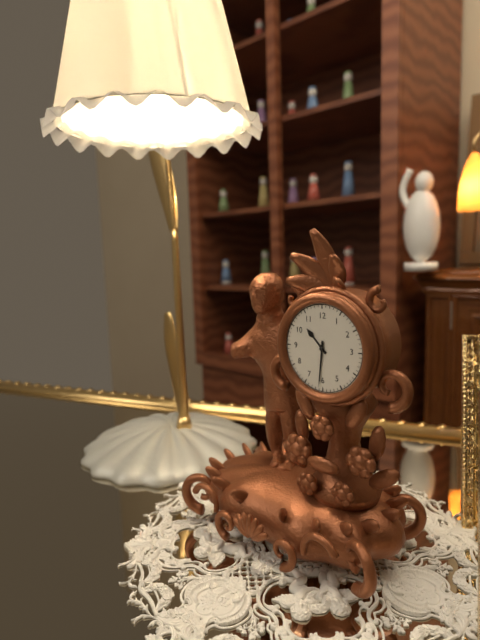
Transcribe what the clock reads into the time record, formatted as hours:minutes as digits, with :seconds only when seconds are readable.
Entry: 10:31
